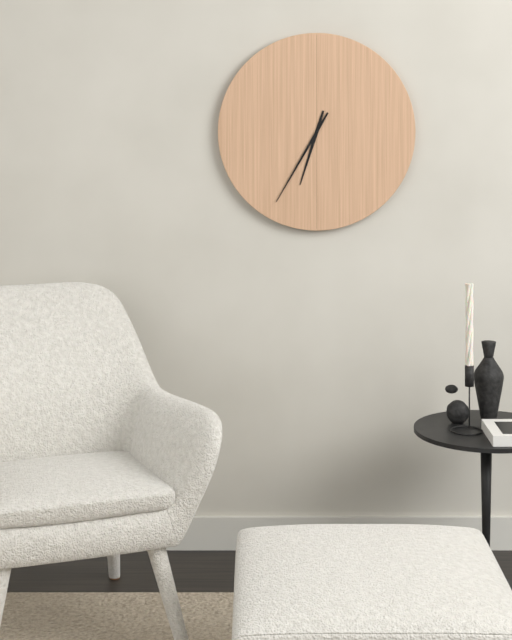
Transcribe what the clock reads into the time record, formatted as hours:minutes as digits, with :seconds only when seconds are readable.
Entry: 6:35
